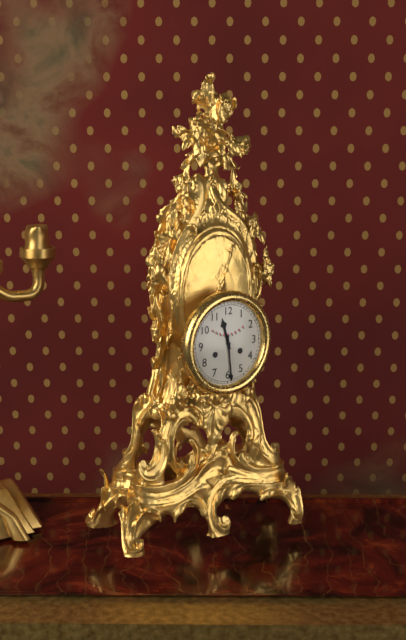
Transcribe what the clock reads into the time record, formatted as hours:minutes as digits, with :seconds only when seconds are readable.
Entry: 11:29
